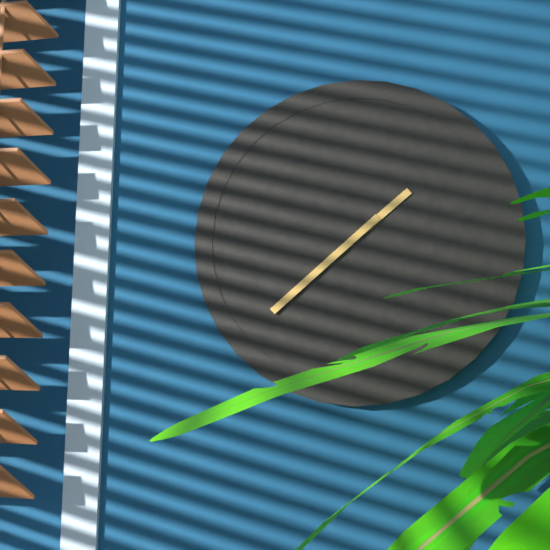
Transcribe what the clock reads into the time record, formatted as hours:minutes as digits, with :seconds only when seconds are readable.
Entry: 1:38
